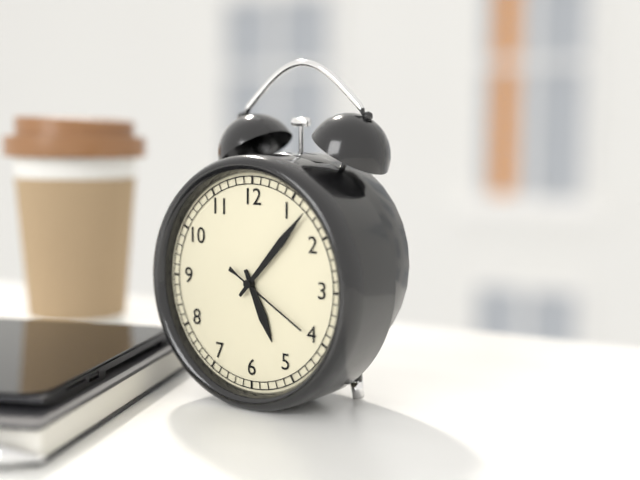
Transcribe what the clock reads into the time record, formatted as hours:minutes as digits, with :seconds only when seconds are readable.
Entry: 5:07:20
